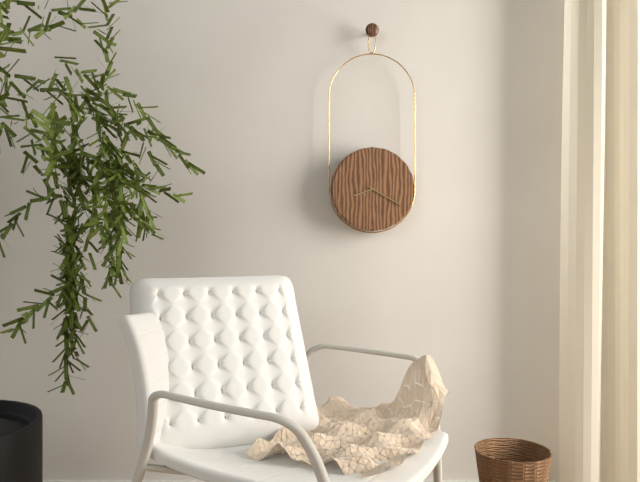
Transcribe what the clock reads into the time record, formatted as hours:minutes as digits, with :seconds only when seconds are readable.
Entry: 8:20
